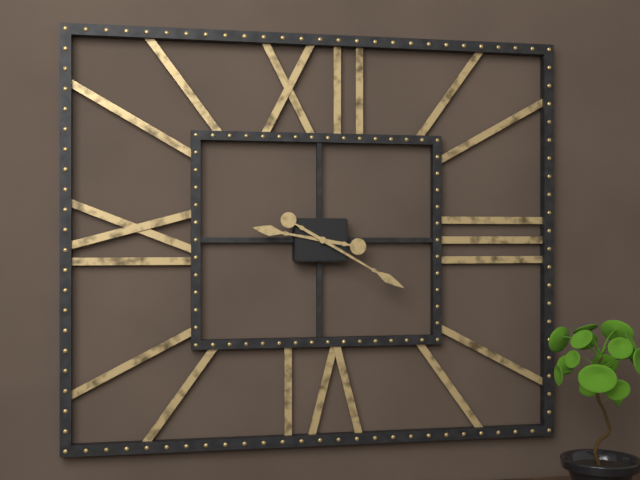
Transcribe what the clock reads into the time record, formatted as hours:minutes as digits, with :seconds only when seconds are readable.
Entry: 9:20
